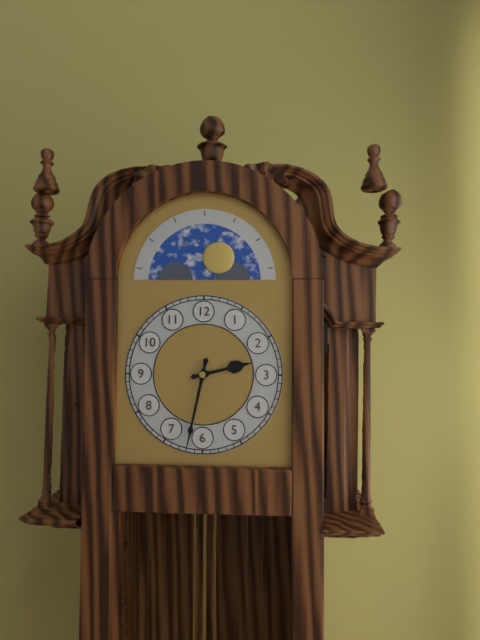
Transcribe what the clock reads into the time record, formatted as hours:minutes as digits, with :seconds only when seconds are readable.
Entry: 2:32
